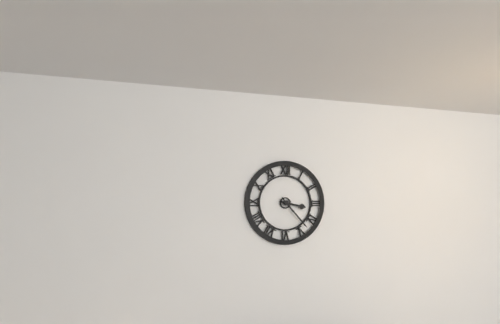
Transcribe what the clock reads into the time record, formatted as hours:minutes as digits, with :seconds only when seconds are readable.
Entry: 3:23
